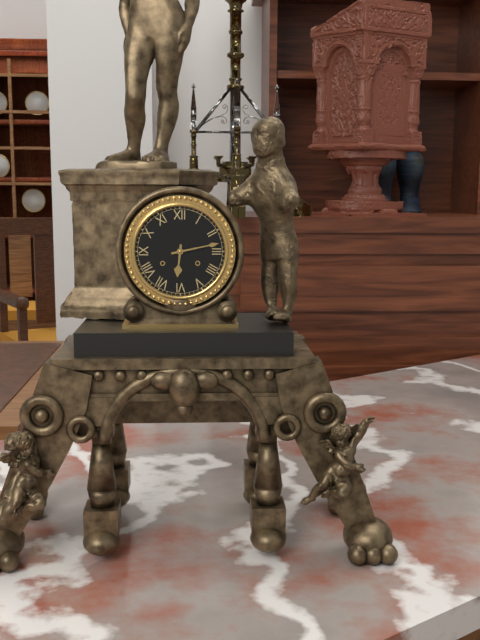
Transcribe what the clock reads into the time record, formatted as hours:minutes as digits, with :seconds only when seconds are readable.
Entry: 6:13
